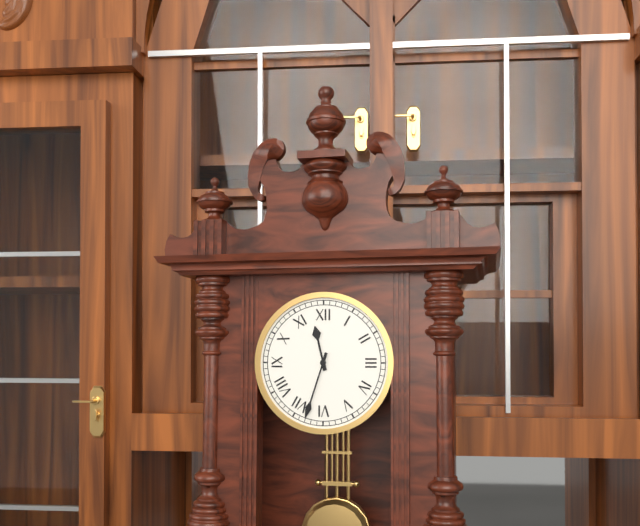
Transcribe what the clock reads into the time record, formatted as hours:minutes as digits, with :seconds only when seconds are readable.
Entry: 11:33
